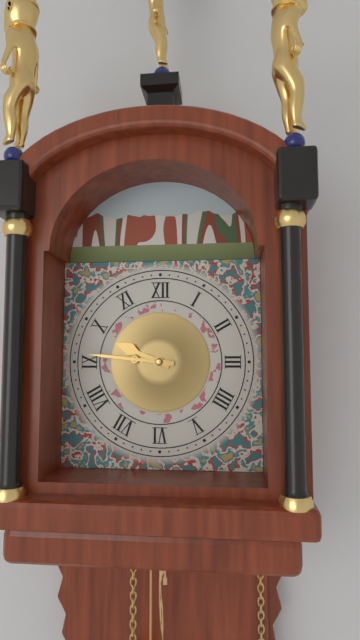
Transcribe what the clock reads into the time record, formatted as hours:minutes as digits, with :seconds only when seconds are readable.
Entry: 9:46
